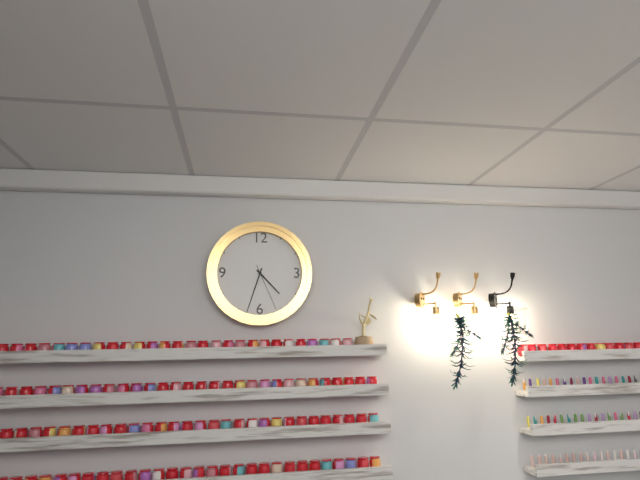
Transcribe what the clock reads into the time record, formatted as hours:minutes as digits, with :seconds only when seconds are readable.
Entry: 4:33
